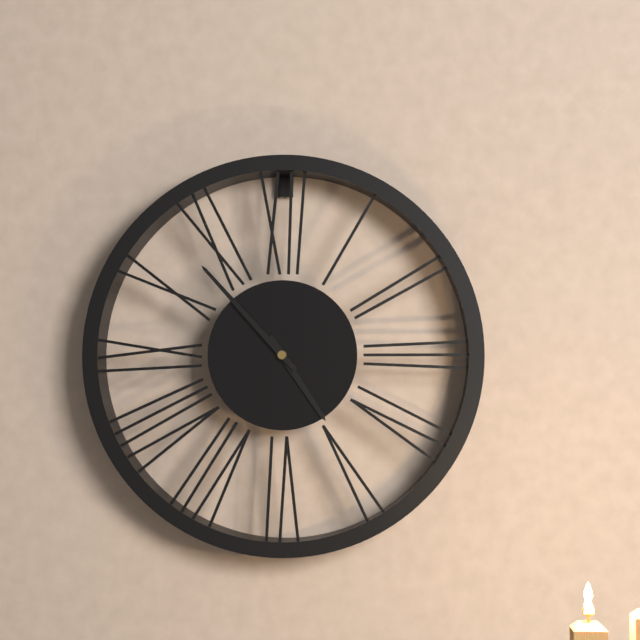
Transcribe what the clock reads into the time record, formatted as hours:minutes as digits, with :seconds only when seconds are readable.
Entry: 4:53
